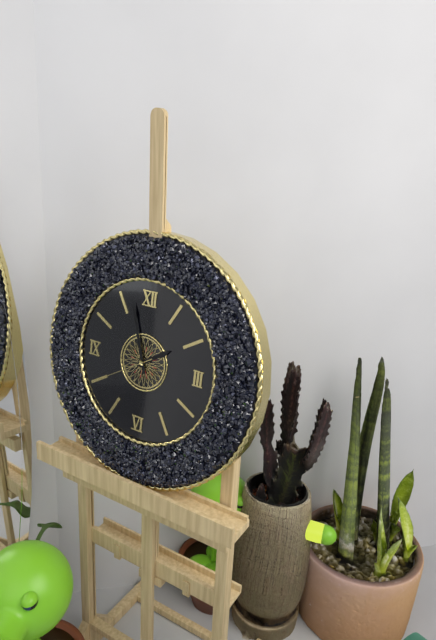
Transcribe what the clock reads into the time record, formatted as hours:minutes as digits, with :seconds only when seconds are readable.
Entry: 1:57:40
